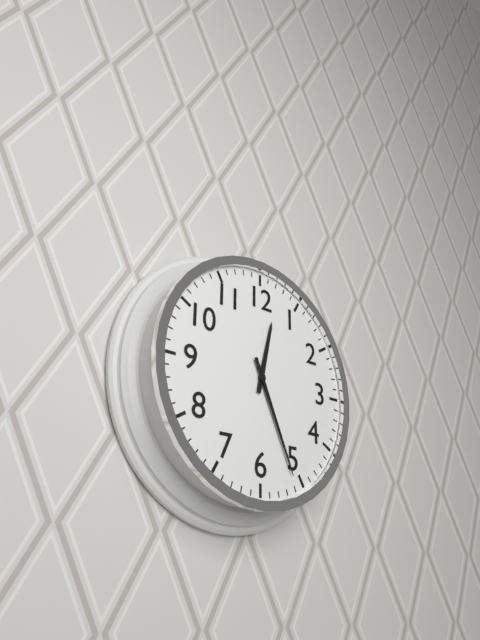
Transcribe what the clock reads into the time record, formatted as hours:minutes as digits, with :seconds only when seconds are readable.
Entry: 12:26
